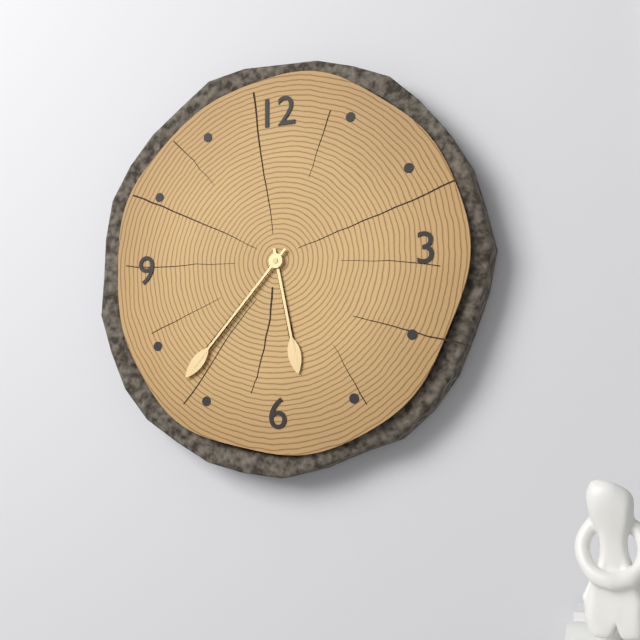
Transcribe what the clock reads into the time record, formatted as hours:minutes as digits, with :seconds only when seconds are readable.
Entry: 5:37
